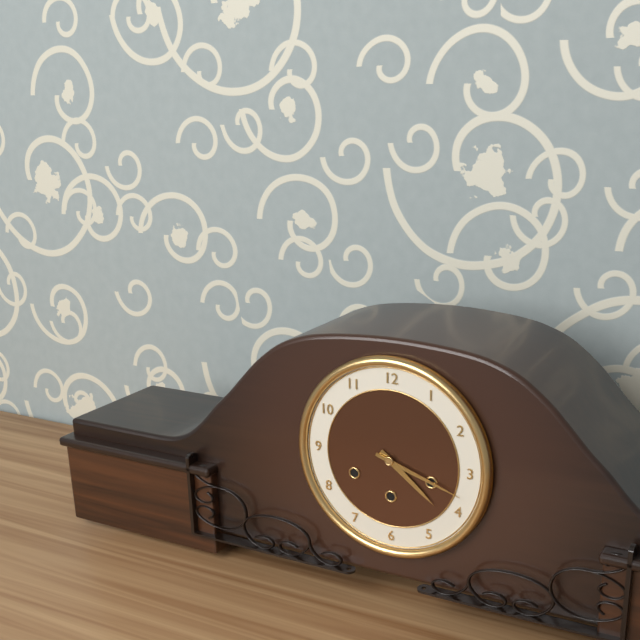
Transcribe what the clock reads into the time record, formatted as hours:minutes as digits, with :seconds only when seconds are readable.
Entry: 4:18
